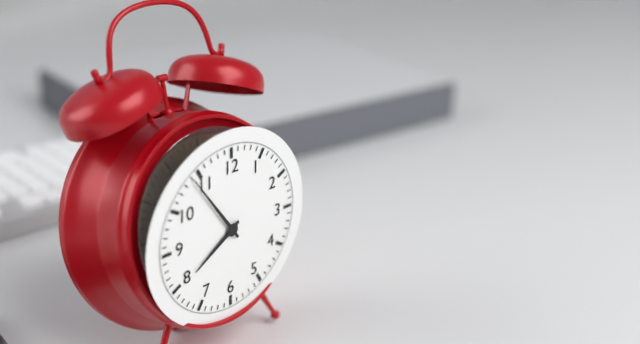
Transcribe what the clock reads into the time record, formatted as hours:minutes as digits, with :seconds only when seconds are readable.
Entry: 7:54
